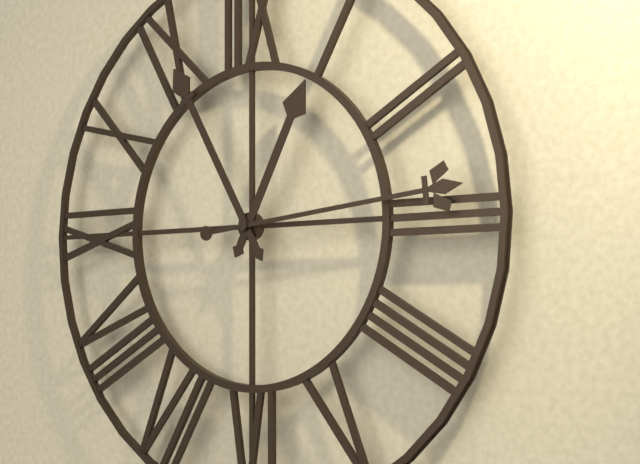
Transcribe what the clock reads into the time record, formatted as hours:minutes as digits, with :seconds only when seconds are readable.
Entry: 12:55:14
